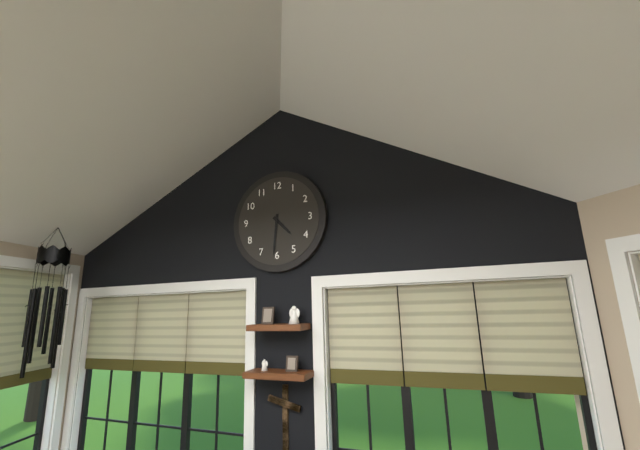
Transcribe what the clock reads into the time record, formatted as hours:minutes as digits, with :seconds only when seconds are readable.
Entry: 4:31
